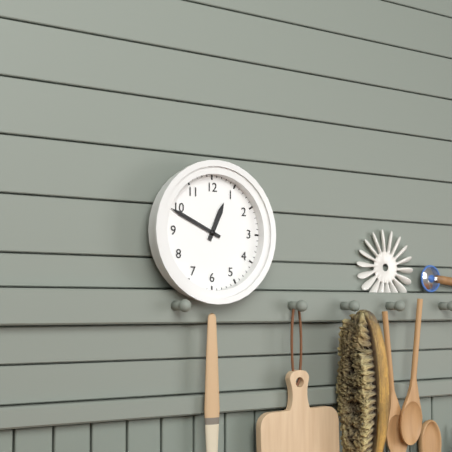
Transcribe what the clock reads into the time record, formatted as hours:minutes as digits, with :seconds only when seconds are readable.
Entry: 12:49
